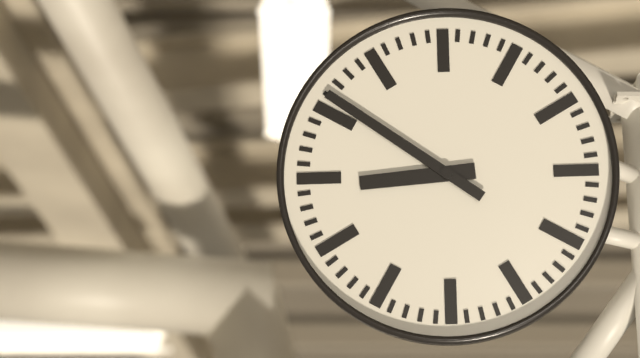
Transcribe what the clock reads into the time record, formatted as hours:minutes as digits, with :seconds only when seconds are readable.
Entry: 8:51
